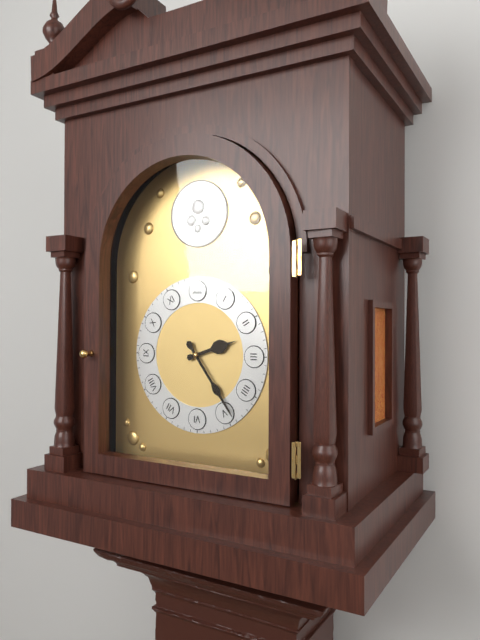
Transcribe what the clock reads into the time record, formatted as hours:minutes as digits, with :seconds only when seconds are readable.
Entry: 2:24
